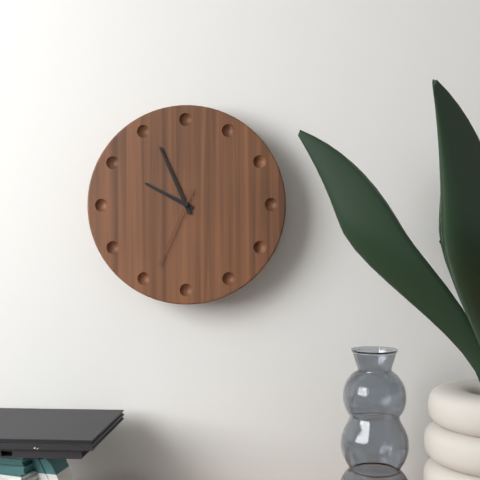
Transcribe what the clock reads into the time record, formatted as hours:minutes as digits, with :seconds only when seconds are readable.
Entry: 9:56:34
